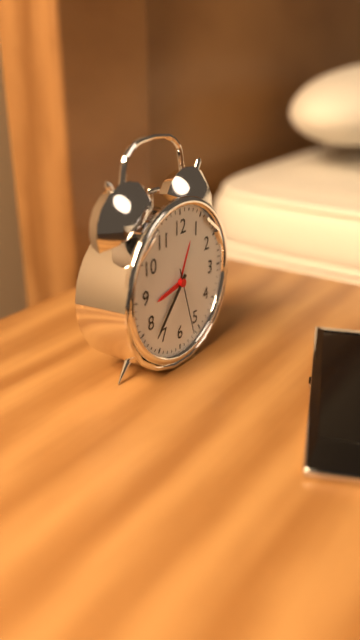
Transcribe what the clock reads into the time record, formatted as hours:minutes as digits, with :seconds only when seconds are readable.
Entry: 8:37:27
